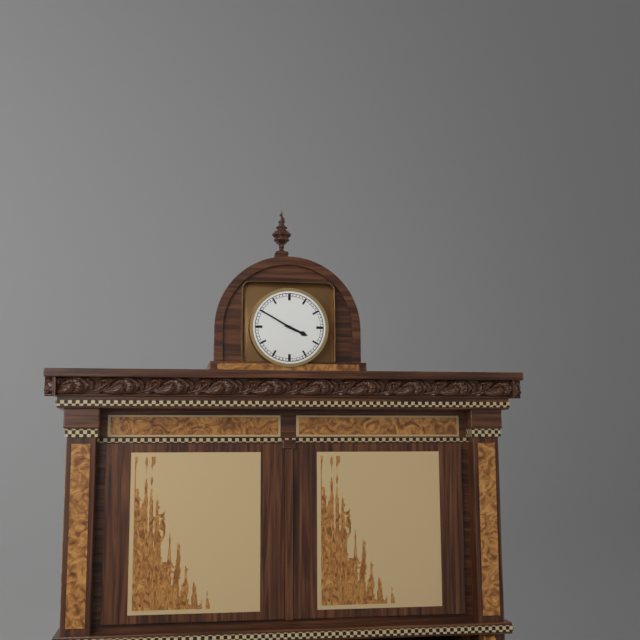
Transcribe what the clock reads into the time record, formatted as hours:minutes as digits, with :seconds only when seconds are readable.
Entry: 3:50
